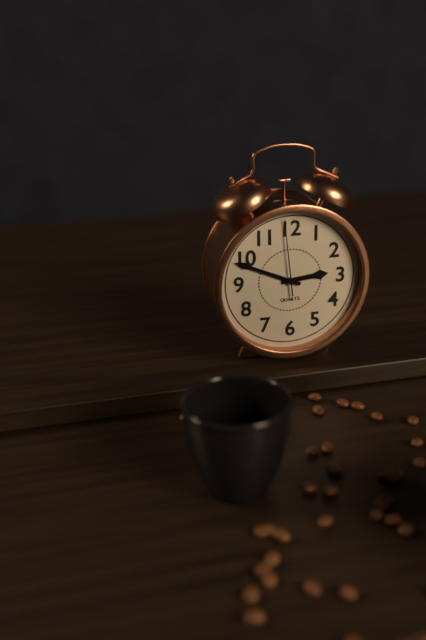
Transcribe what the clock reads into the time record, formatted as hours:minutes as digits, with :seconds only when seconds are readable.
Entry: 2:49:59
